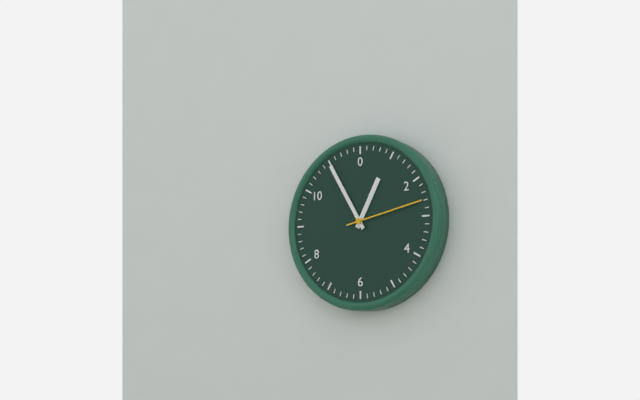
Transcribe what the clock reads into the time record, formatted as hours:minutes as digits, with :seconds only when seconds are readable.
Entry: 12:55:13
